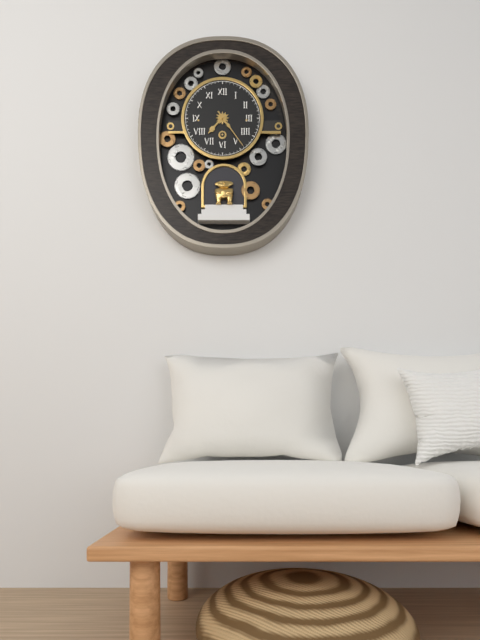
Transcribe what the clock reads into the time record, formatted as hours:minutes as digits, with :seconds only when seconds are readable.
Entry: 7:24
